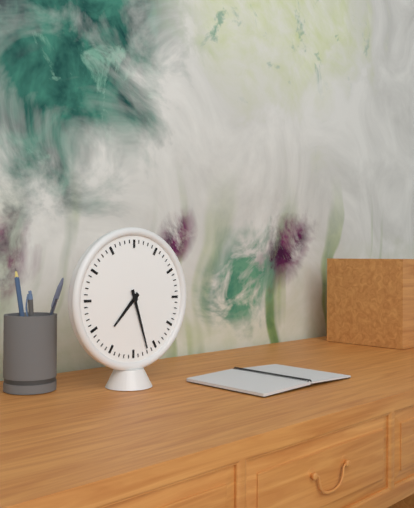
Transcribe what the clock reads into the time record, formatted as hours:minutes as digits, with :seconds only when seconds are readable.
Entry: 7:27
